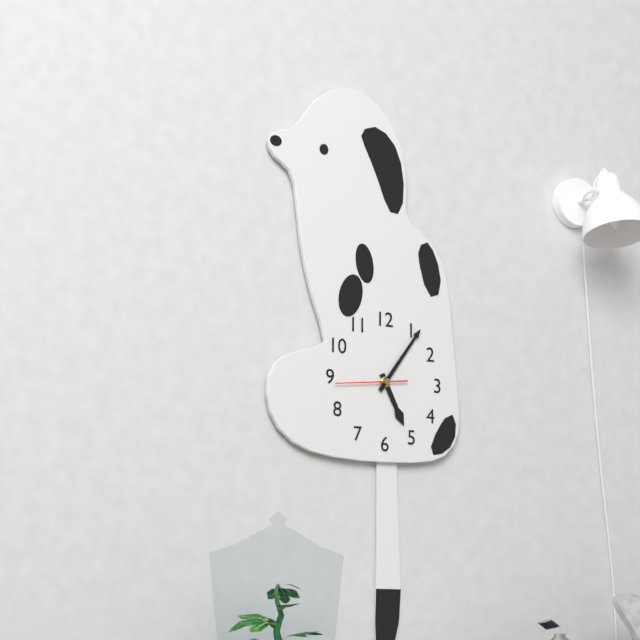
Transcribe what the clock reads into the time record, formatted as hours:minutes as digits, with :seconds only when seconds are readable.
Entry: 5:06:44
